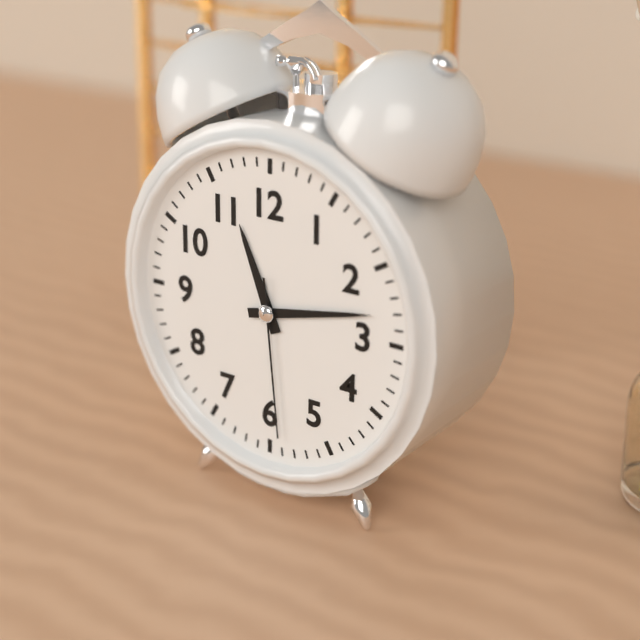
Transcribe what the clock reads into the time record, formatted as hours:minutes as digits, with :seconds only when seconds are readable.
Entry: 11:13:29
